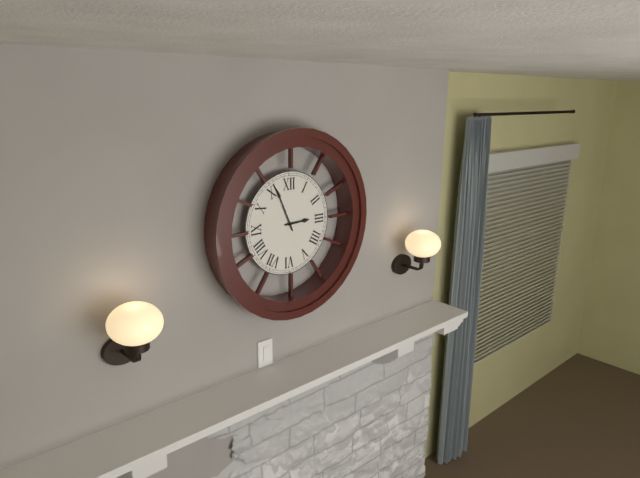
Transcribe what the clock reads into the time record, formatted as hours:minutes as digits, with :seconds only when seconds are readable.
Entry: 2:56
